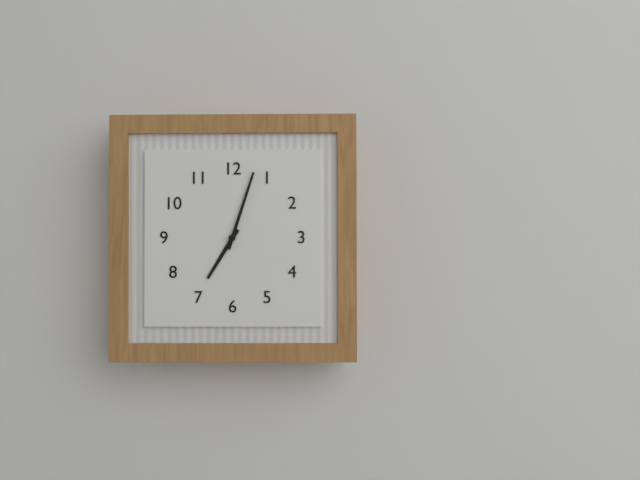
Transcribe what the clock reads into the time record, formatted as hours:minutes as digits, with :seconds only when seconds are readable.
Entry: 7:03
